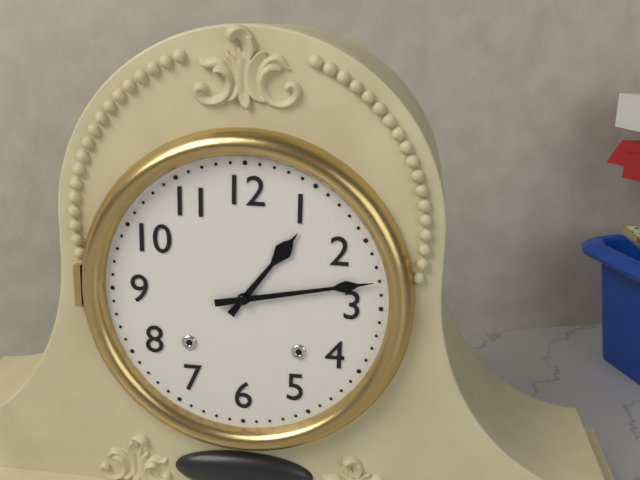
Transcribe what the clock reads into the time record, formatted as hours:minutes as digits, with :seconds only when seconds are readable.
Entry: 1:13
